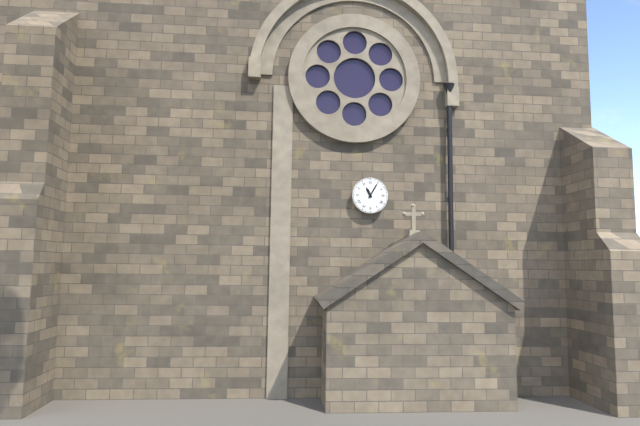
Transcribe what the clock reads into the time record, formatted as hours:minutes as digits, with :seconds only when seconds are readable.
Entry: 11:05
